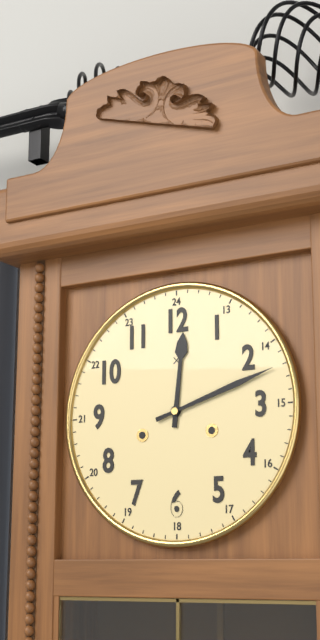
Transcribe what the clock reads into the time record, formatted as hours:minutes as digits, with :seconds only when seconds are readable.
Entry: 12:12
